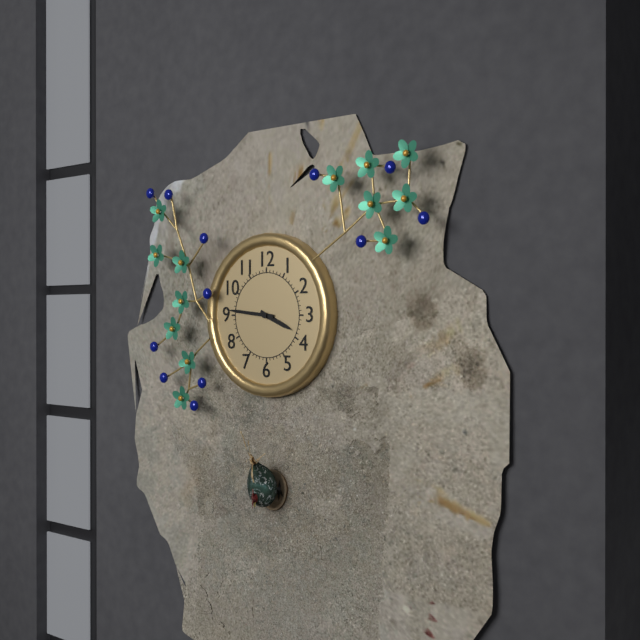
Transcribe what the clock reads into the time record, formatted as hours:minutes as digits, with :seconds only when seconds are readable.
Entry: 3:46
